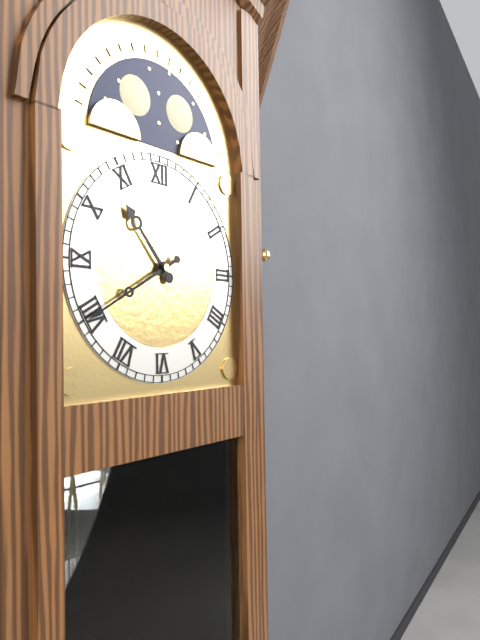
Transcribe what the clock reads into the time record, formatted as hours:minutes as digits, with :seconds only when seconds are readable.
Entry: 10:40
